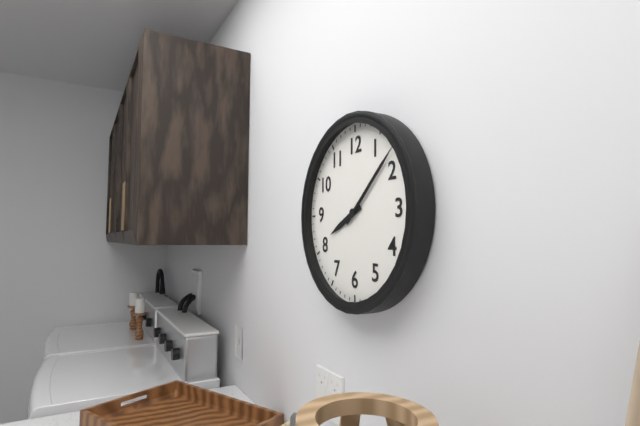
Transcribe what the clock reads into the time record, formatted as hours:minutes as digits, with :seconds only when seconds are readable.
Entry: 8:08
